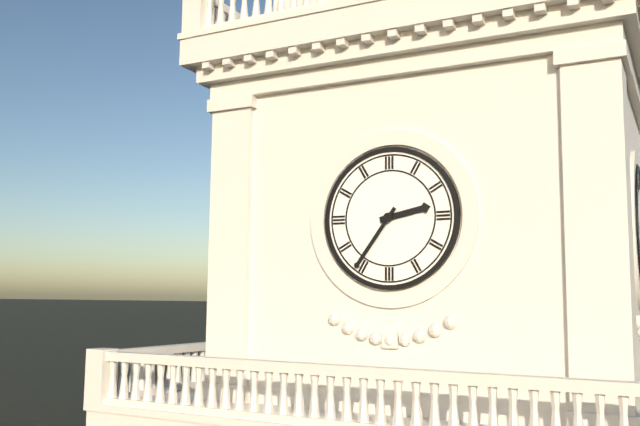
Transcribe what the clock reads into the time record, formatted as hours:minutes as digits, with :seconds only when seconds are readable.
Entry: 2:36
